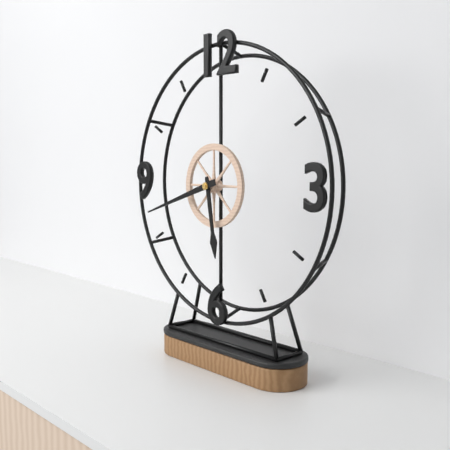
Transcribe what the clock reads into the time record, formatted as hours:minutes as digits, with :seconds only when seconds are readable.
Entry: 5:42
